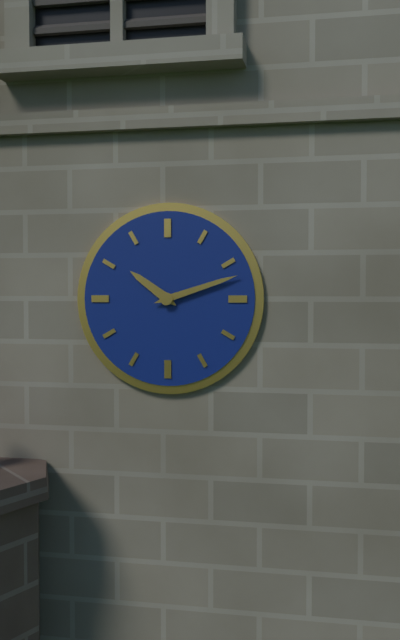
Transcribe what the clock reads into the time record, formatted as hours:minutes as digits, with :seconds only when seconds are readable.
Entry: 10:12
